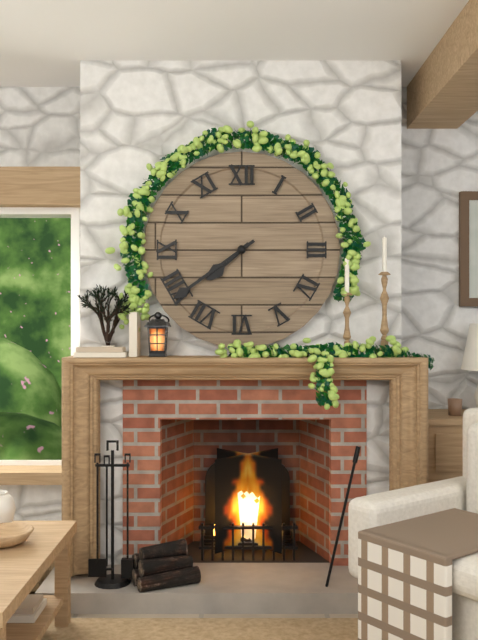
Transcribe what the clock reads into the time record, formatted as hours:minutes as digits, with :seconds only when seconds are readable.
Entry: 7:39
